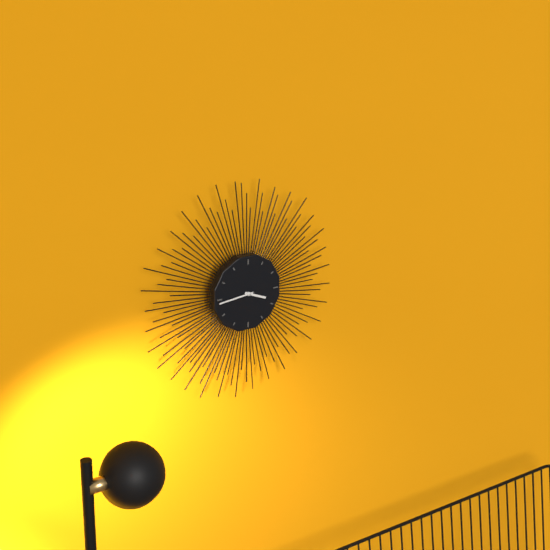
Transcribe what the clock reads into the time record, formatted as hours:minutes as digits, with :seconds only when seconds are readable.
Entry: 3:44
